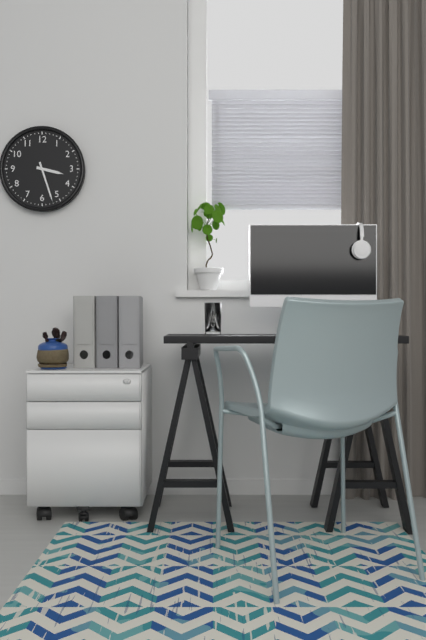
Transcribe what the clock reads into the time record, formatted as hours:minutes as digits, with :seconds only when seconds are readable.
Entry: 3:27
